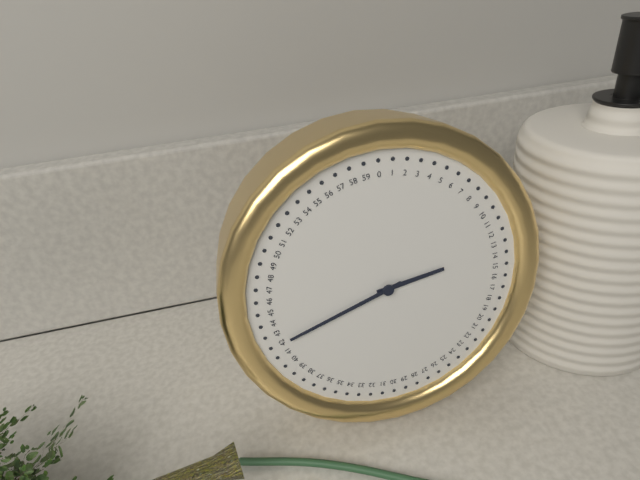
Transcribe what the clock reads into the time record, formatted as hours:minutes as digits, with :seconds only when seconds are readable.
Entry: 2:42
